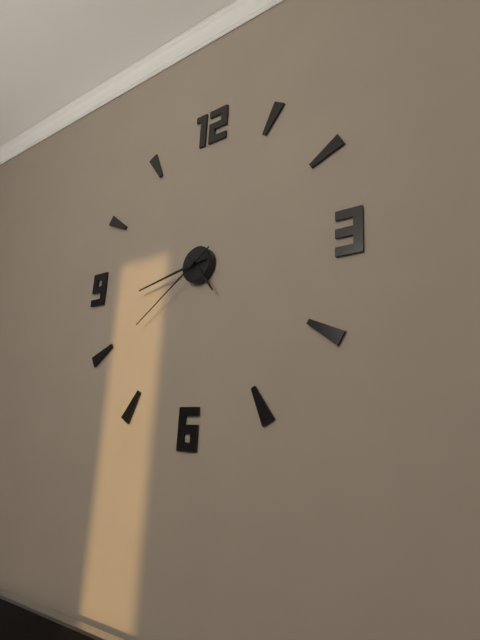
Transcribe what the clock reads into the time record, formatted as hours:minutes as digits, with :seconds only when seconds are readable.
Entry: 4:43:39
